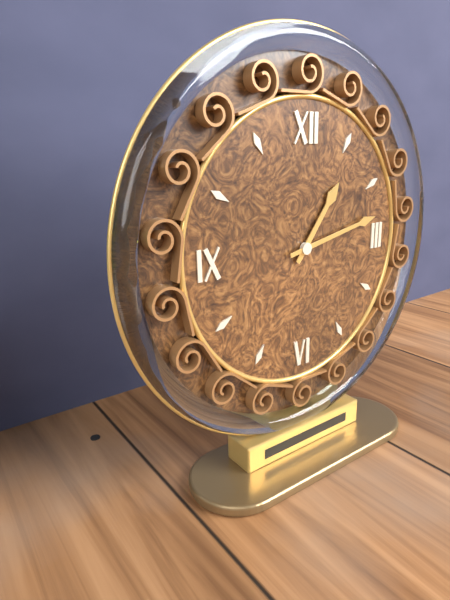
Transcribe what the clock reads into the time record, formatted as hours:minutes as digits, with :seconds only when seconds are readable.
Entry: 1:13
